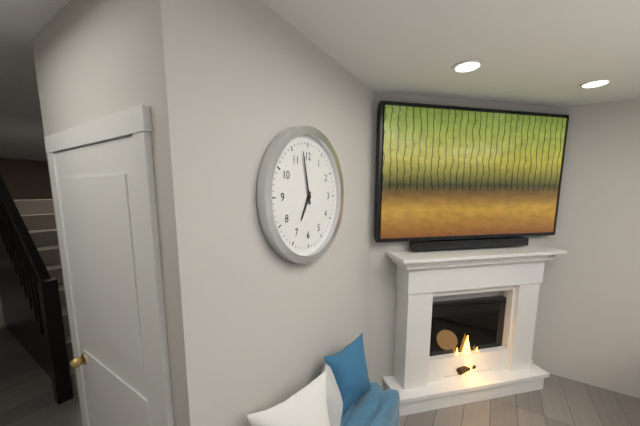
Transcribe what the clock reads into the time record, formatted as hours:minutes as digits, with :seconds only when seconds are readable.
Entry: 6:58
